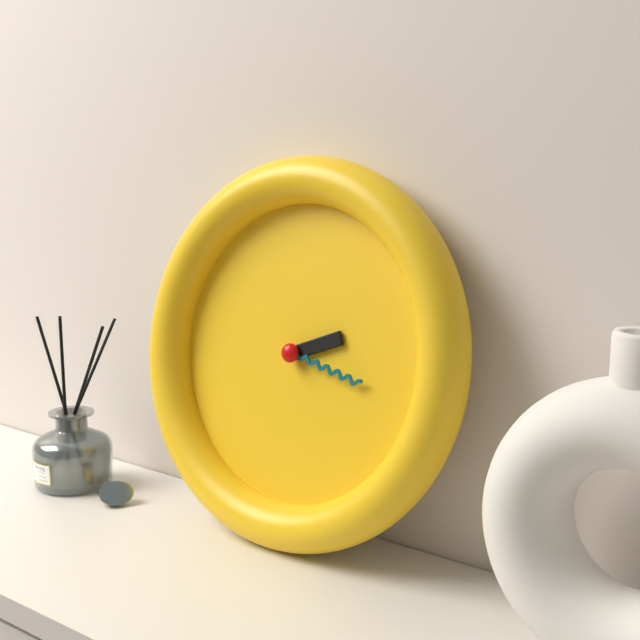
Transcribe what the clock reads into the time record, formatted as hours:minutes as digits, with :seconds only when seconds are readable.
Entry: 2:17
